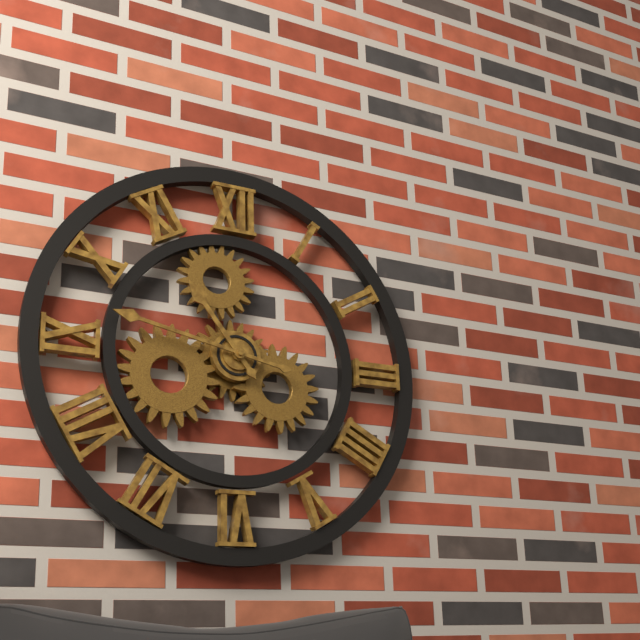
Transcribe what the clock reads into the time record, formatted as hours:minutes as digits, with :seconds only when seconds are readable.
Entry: 10:47
